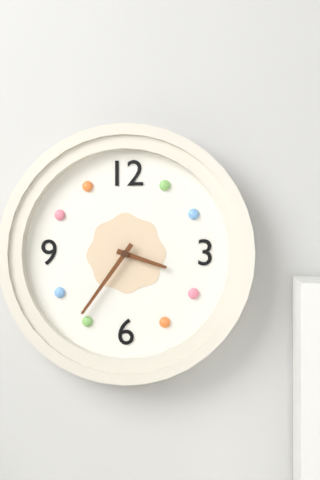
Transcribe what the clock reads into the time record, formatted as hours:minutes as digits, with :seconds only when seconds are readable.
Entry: 3:36
